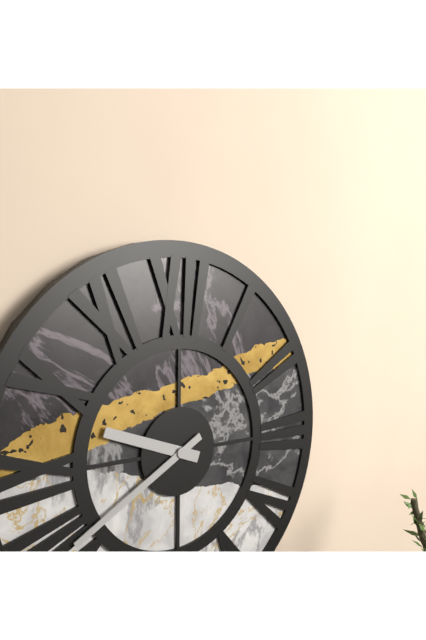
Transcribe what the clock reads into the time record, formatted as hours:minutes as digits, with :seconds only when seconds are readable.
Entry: 9:40
